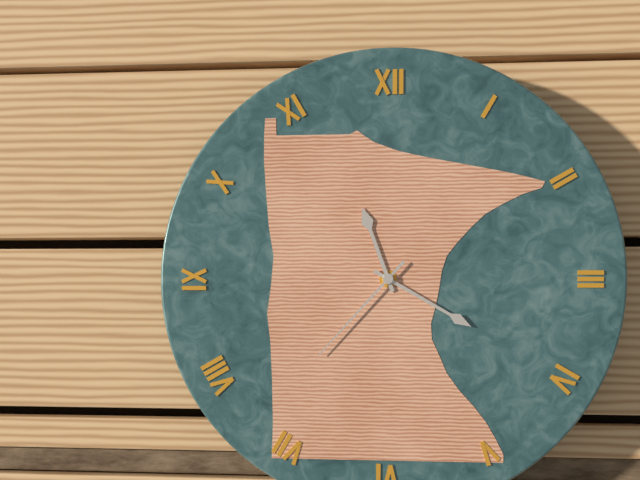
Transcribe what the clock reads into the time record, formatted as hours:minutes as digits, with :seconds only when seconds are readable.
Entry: 11:20:37
